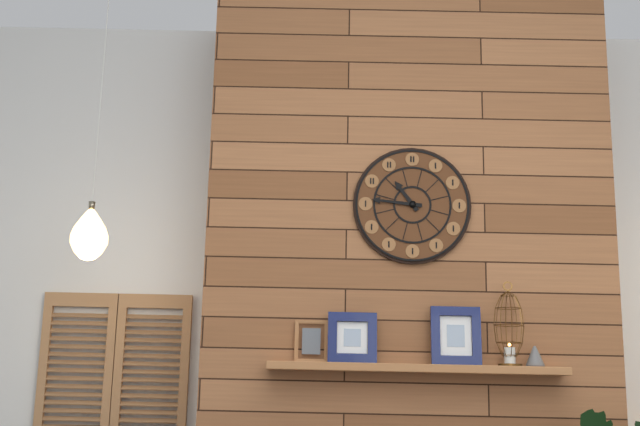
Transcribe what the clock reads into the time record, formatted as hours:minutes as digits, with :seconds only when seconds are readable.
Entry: 10:46
